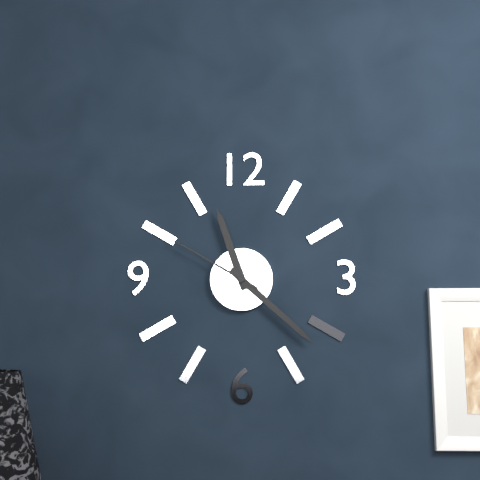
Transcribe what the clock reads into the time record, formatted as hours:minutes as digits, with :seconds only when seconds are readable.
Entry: 11:22:50
